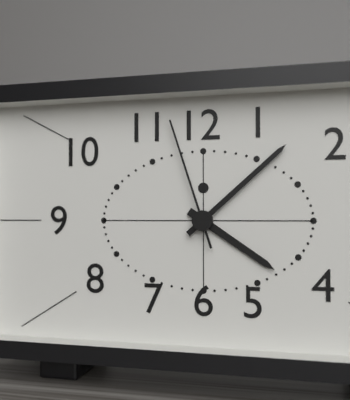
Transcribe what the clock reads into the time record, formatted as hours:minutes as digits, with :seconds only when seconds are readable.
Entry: 4:08:57
